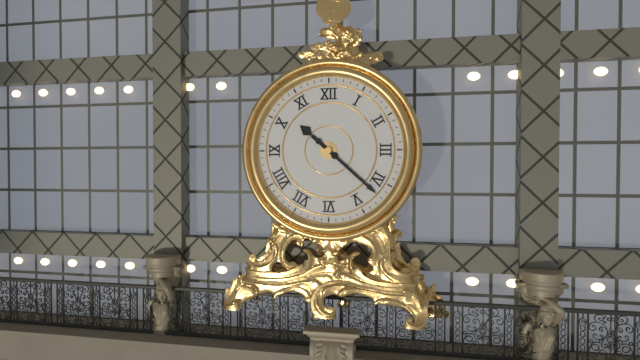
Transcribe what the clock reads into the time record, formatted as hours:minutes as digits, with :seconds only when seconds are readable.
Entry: 10:22
